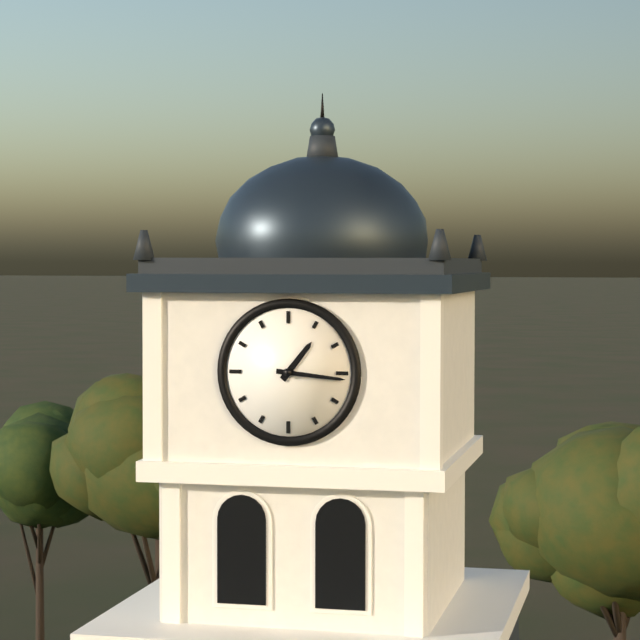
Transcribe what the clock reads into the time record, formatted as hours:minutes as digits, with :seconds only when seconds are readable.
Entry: 1:16
